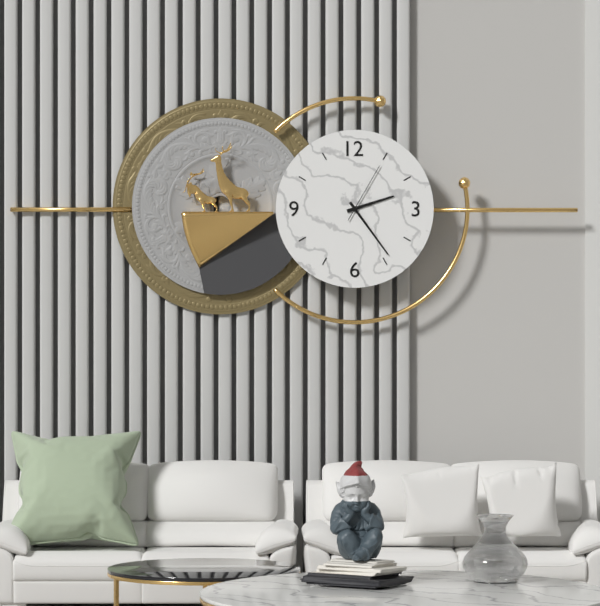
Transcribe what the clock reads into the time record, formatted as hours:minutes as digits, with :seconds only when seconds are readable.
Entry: 2:24:05
